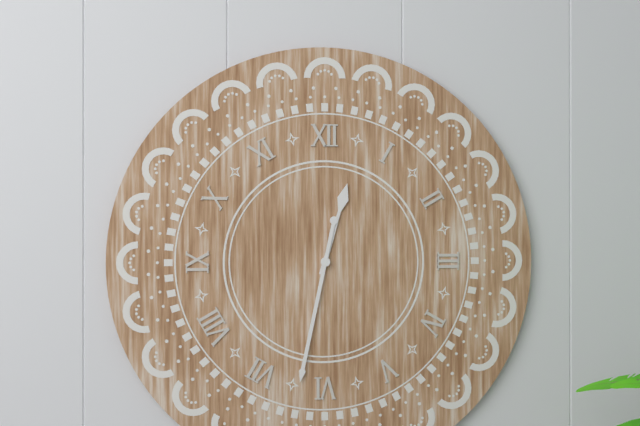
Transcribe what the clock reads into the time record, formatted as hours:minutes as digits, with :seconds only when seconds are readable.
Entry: 12:32
